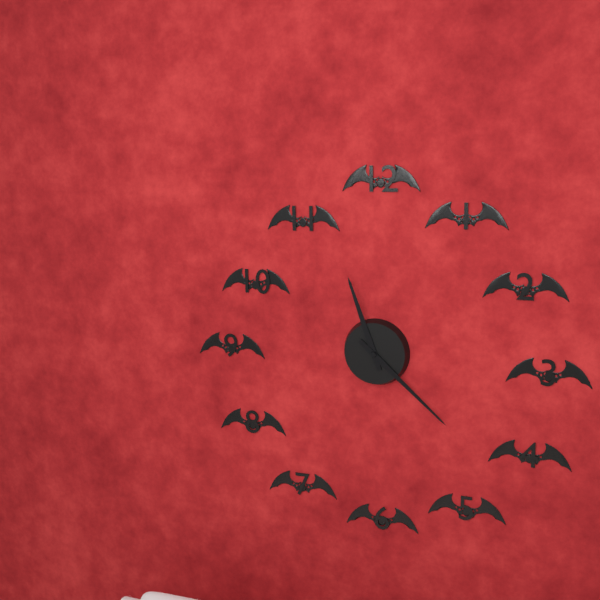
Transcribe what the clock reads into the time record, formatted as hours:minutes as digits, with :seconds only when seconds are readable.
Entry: 11:22
